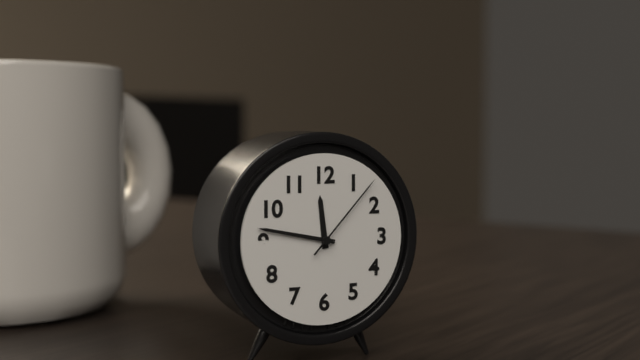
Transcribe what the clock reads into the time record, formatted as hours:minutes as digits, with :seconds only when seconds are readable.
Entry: 11:47:07
